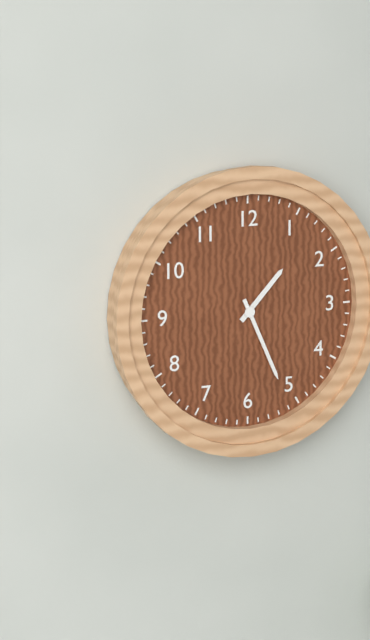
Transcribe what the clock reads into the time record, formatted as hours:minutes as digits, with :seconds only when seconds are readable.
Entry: 1:26
